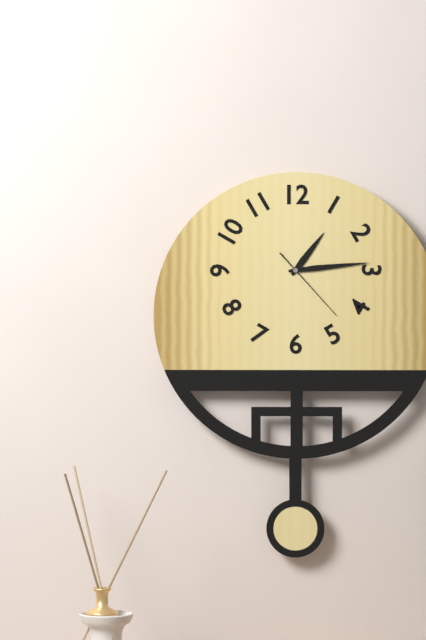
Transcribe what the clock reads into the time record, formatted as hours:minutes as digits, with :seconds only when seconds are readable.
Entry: 1:14:23
